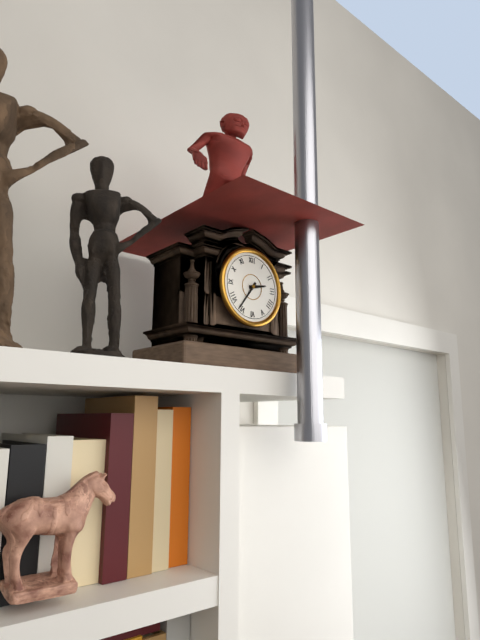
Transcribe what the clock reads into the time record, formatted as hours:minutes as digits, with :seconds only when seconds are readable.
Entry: 2:36
